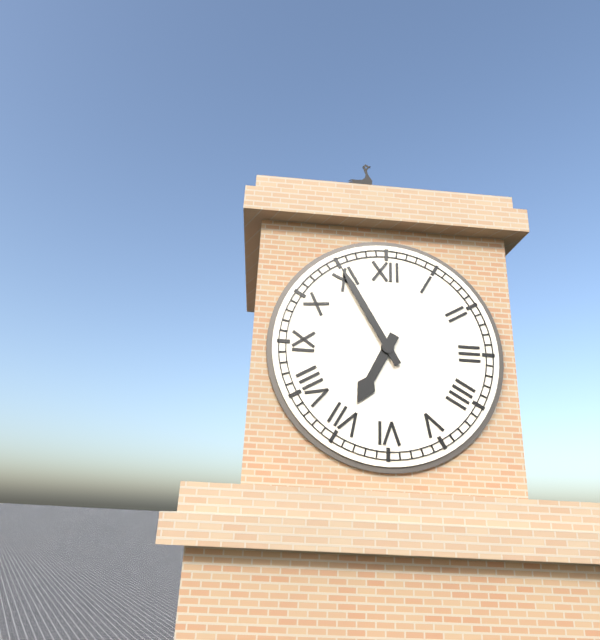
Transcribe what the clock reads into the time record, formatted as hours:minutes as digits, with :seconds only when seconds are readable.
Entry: 6:55
